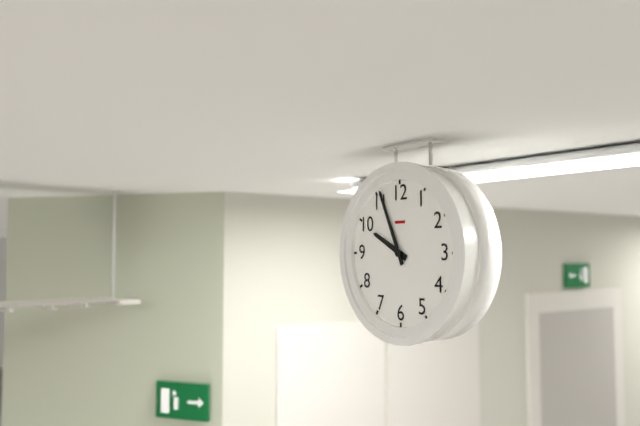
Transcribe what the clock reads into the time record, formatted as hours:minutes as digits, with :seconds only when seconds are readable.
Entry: 9:56
